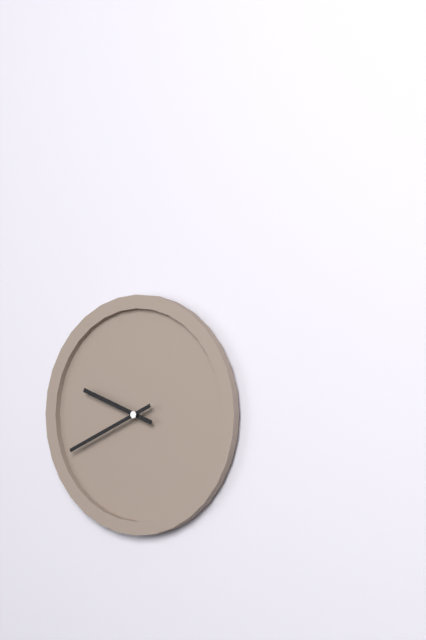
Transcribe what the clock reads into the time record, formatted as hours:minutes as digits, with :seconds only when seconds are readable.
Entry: 9:41
